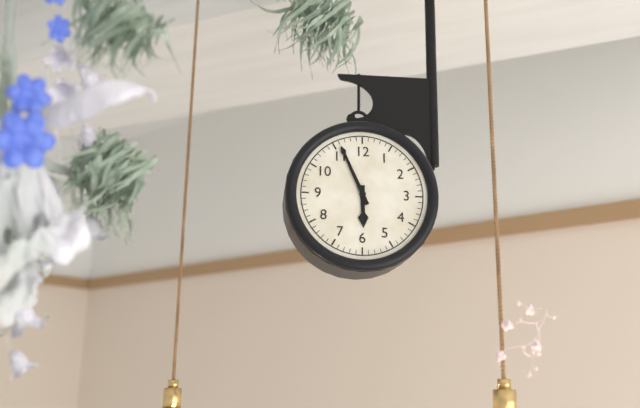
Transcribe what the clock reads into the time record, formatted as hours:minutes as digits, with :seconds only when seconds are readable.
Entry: 5:56
